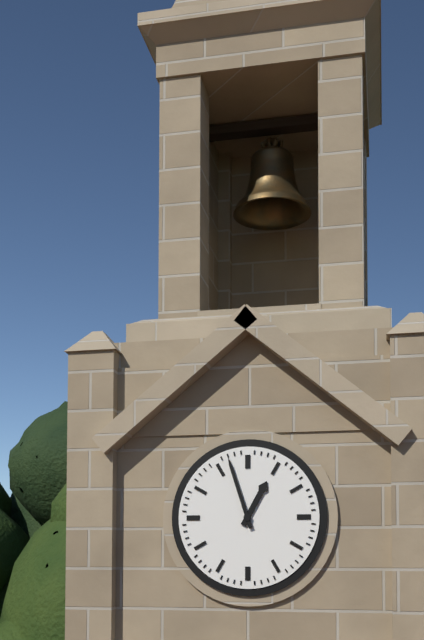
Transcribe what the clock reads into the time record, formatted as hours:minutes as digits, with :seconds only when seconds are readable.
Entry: 12:57
